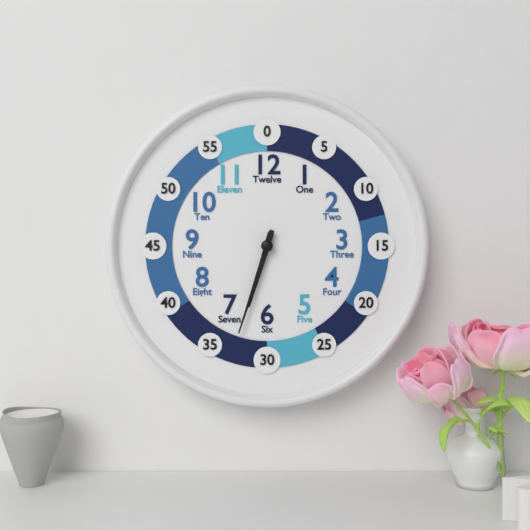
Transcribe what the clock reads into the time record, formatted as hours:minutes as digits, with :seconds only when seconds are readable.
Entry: 6:33
